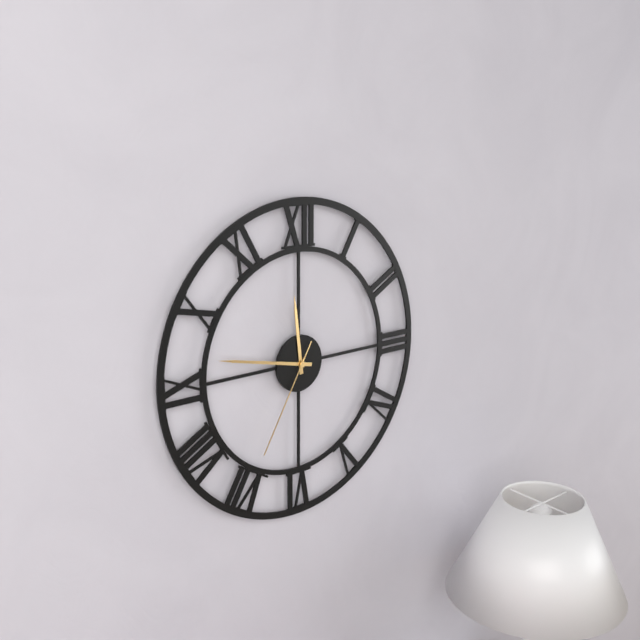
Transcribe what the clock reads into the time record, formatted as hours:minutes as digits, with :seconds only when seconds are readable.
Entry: 11:47:35
